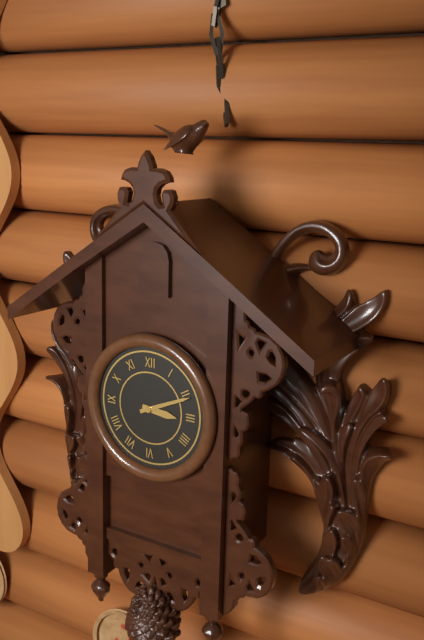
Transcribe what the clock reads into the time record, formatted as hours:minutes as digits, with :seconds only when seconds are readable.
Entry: 3:11
